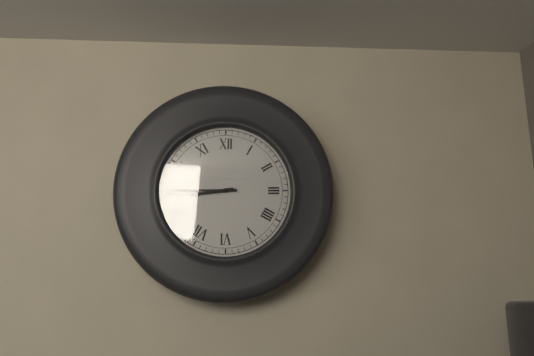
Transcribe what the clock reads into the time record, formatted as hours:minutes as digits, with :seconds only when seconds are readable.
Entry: 8:45
